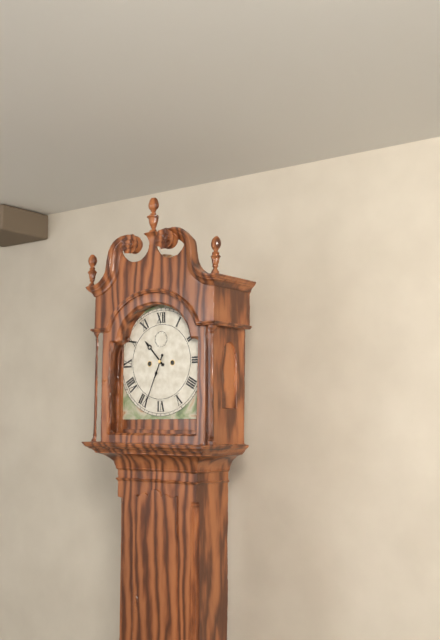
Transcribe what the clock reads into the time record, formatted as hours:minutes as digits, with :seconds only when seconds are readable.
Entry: 10:34
